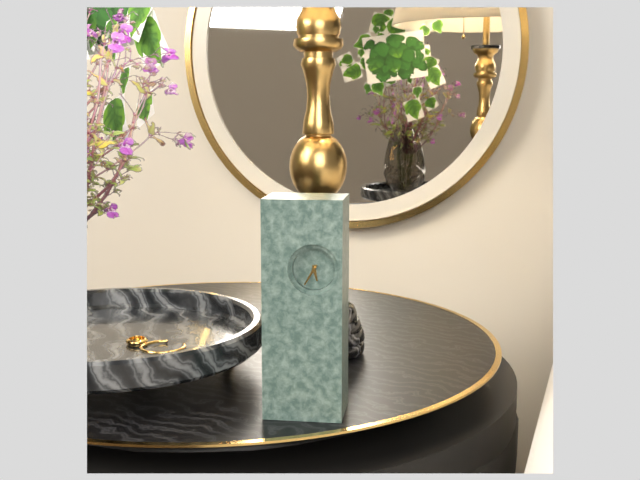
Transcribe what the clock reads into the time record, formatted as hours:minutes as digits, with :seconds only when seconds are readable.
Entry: 5:35
